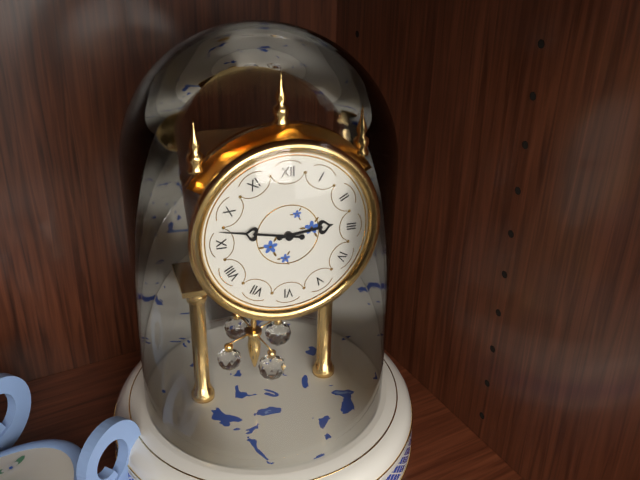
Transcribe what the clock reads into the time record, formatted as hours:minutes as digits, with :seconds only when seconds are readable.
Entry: 2:47
